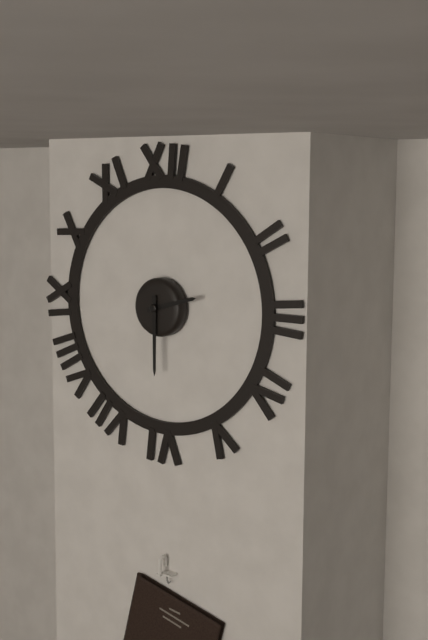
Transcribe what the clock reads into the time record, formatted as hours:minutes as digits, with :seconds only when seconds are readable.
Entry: 2:30
